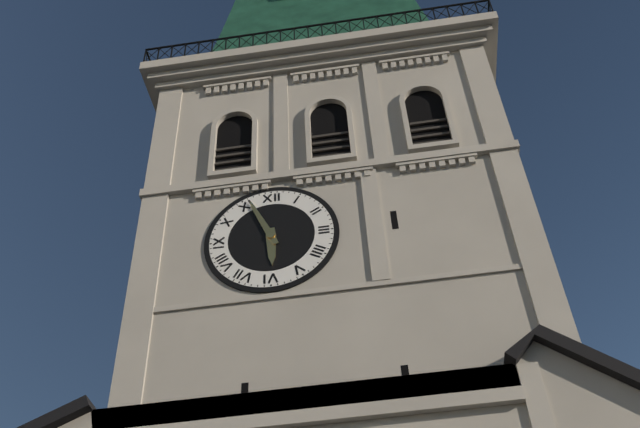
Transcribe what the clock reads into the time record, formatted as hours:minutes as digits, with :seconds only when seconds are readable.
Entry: 5:56
